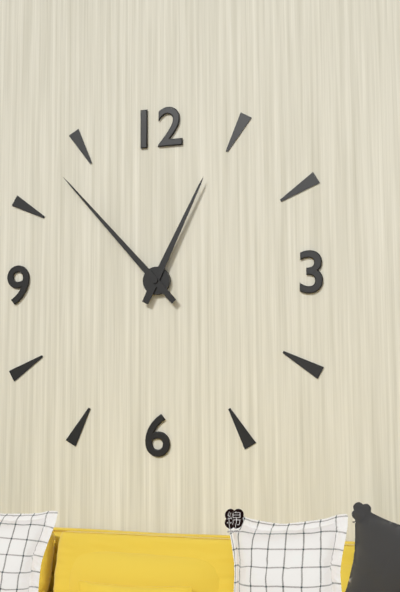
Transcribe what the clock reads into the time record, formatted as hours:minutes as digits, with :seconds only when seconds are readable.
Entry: 12:53
